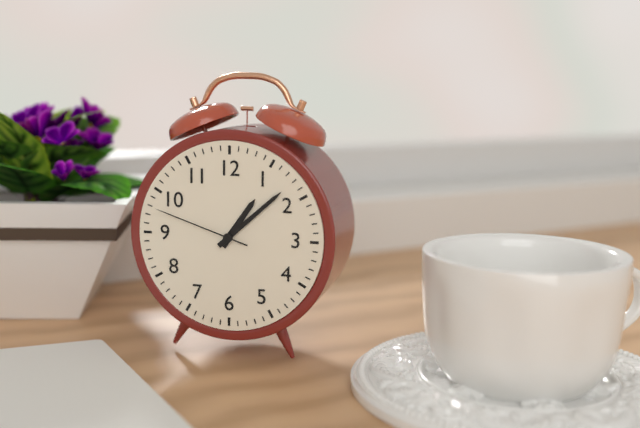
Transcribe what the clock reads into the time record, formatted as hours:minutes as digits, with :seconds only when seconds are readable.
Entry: 1:08:48
